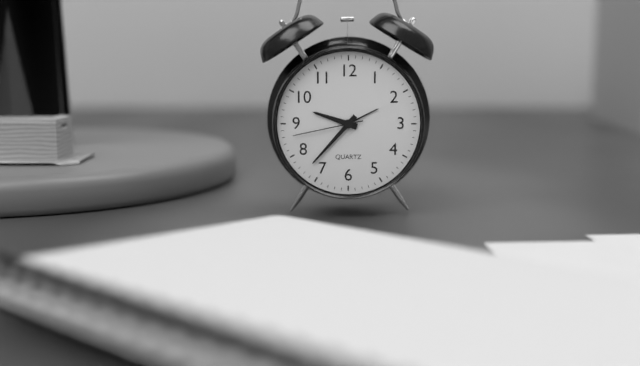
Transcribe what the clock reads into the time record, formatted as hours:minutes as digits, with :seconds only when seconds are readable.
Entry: 9:37:43
